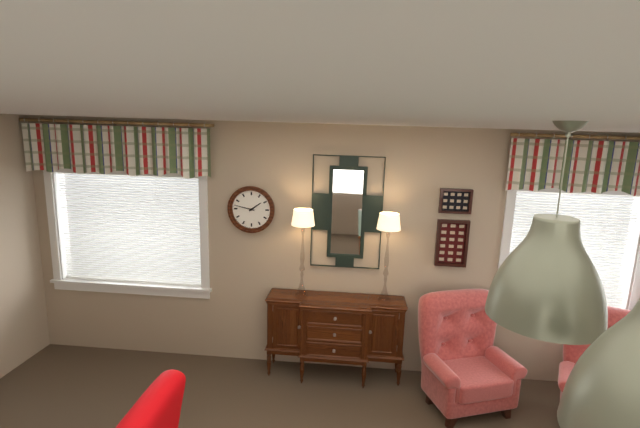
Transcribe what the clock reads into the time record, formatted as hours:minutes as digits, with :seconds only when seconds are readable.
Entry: 1:47
